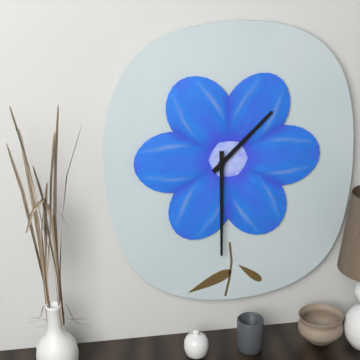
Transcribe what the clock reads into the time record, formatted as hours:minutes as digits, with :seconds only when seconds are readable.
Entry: 1:30
